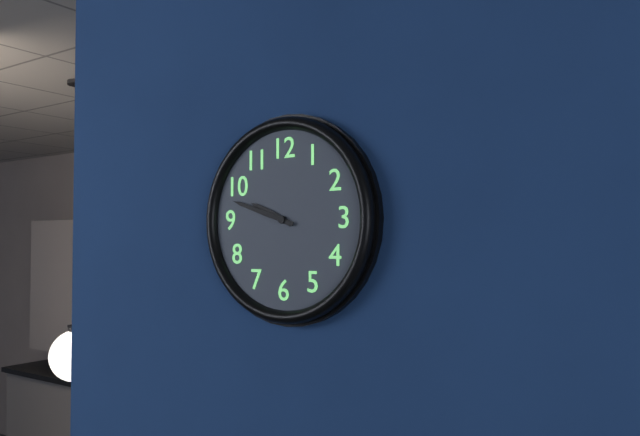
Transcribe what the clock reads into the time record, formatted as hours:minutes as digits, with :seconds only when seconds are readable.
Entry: 9:48
